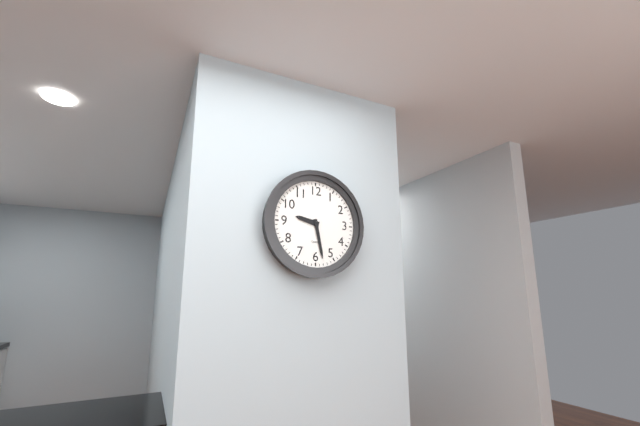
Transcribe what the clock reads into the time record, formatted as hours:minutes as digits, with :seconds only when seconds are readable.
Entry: 9:28
